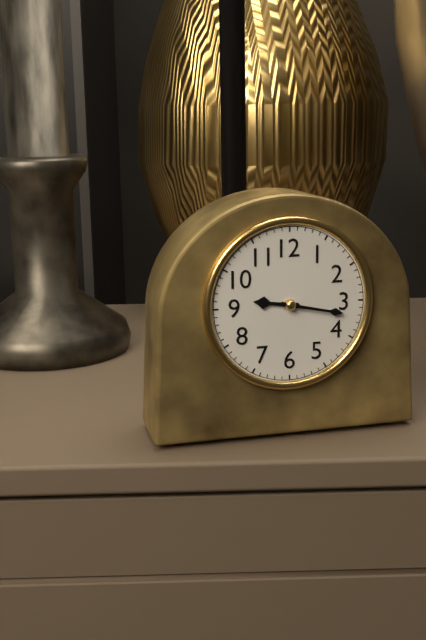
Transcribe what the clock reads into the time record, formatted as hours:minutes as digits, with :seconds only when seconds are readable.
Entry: 9:17
